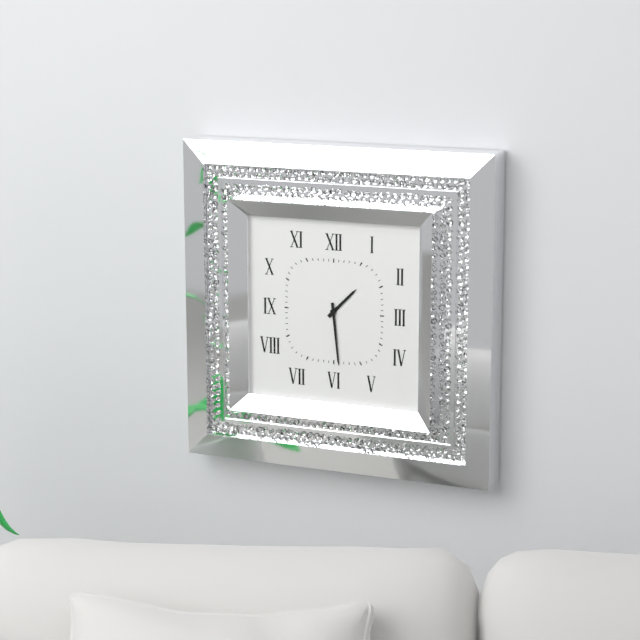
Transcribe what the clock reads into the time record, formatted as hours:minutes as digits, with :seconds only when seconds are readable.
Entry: 1:29
